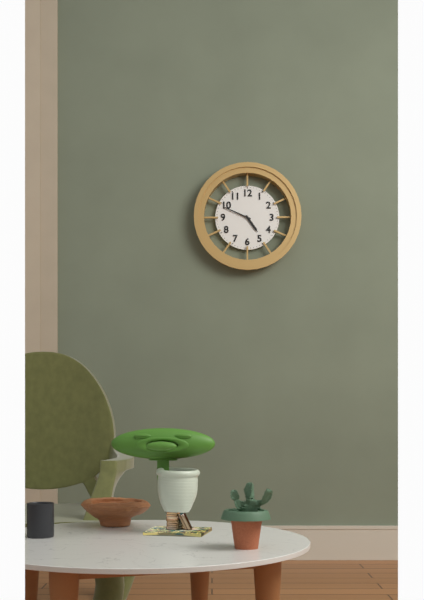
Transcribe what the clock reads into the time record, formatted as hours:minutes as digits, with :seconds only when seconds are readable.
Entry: 4:49
